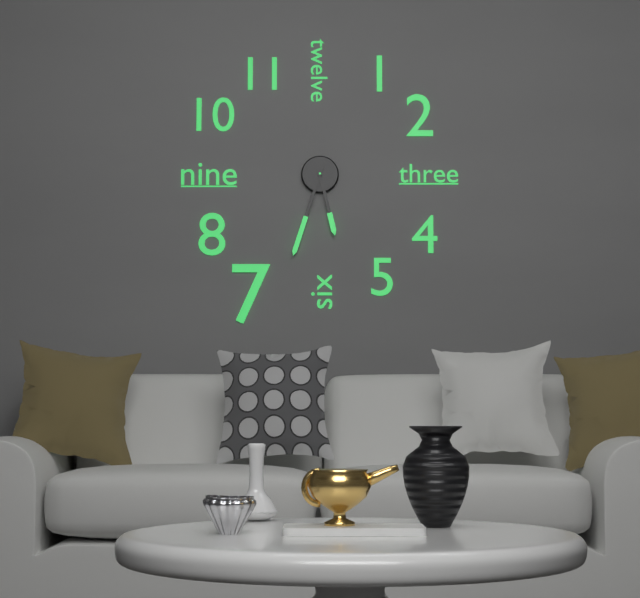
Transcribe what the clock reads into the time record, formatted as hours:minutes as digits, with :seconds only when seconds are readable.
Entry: 5:33
